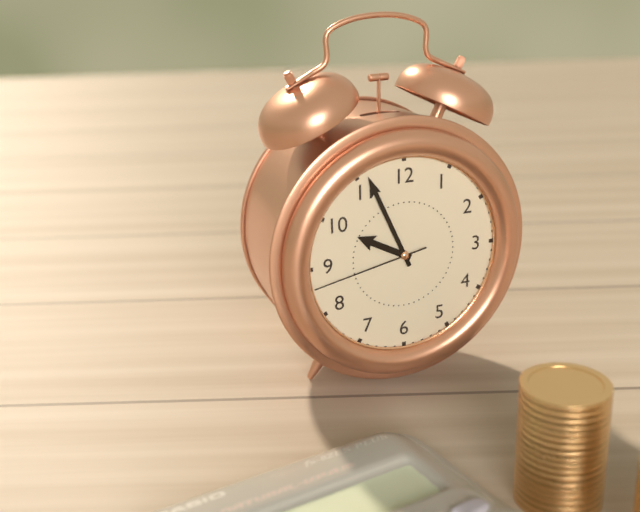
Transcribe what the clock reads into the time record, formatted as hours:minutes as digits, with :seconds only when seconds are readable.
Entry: 9:56:43
